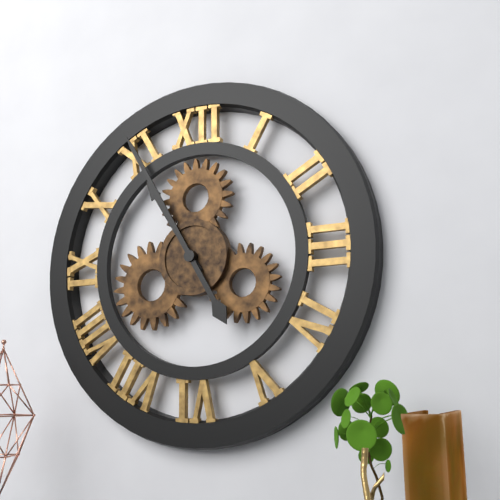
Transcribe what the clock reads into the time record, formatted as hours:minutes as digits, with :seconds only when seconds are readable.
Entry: 10:55
